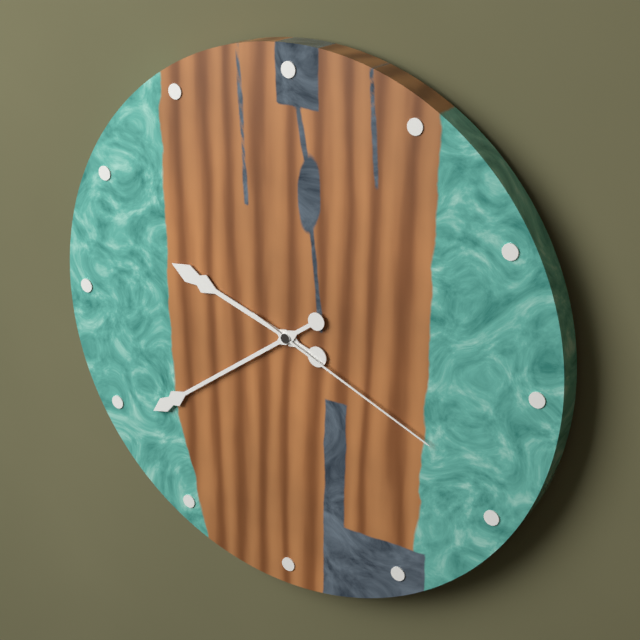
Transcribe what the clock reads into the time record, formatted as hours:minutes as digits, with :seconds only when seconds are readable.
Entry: 9:39:19
